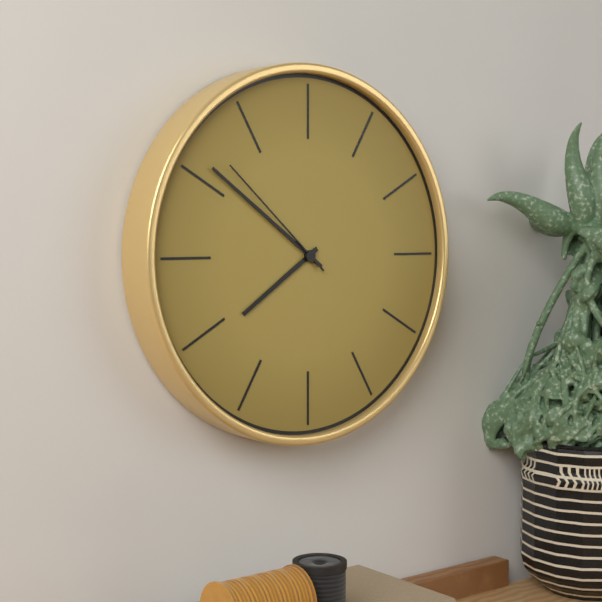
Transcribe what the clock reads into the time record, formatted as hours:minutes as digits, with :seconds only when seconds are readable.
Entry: 7:51:52
